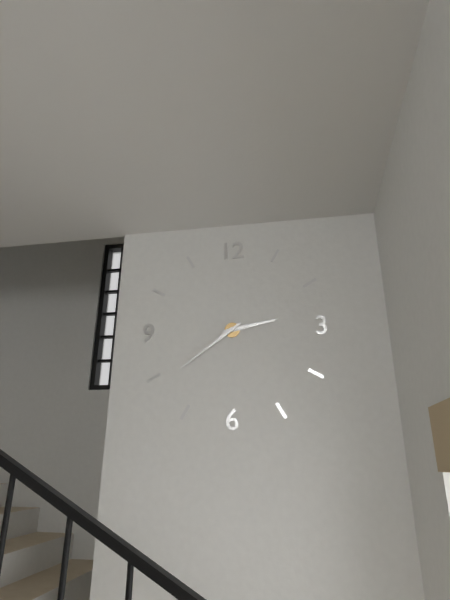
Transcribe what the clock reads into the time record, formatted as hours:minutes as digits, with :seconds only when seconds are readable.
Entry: 2:39
